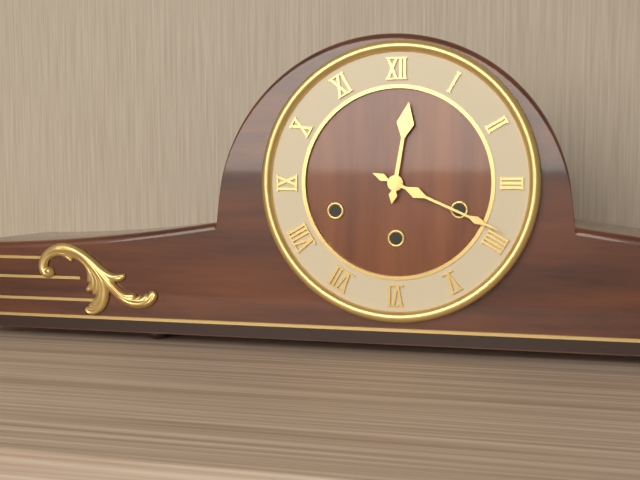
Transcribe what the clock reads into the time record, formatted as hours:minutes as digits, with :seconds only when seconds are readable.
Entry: 12:19
